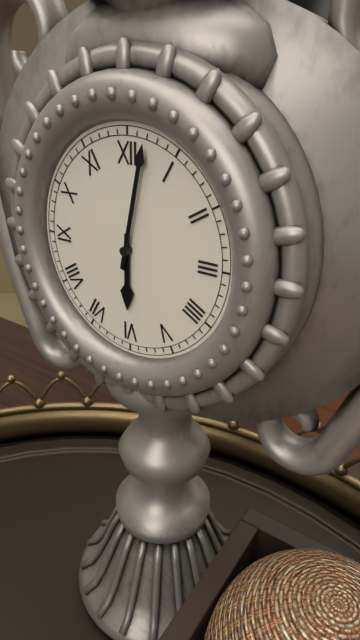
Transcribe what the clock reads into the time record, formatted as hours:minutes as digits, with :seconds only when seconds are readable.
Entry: 6:02
